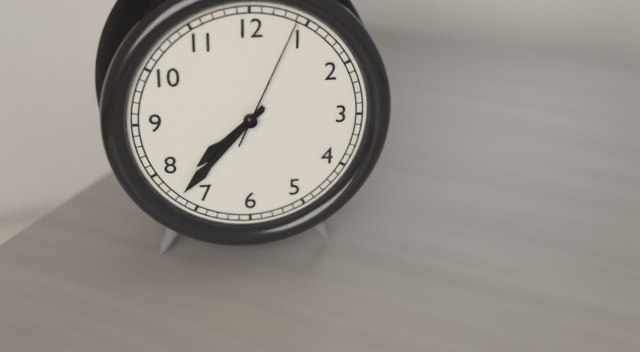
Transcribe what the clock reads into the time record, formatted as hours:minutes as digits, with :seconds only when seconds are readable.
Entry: 7:37:04
